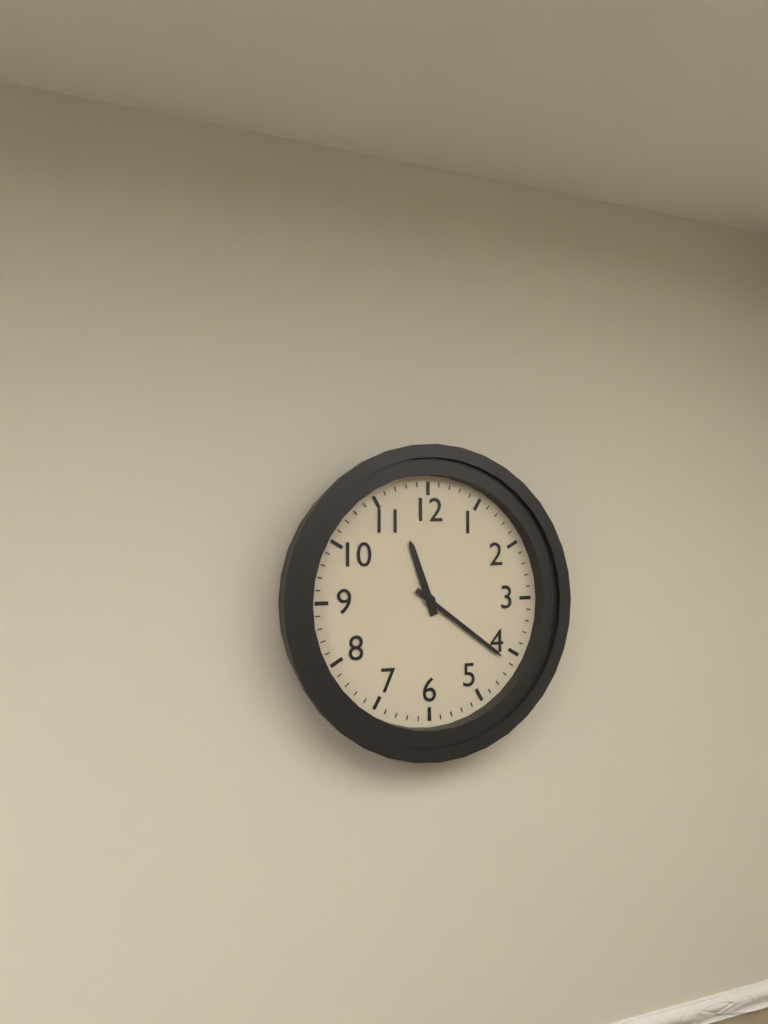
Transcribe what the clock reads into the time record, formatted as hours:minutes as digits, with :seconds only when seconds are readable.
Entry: 11:21
